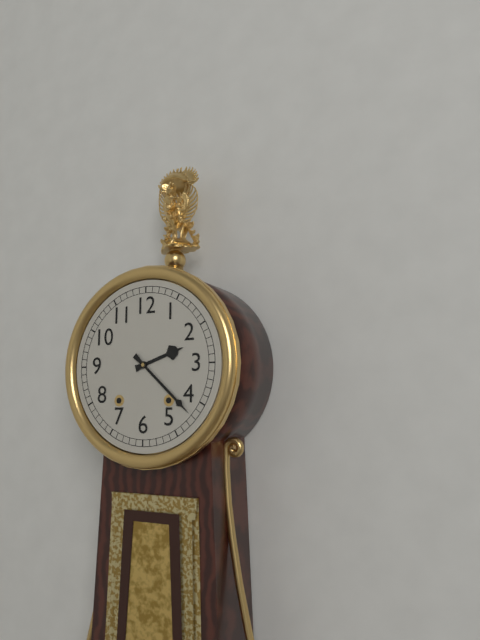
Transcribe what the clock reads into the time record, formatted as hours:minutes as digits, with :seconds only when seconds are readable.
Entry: 2:22
